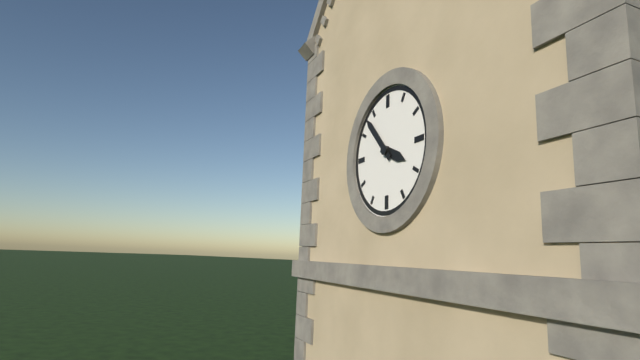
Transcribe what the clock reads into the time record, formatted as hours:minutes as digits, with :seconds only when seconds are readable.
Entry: 3:53
